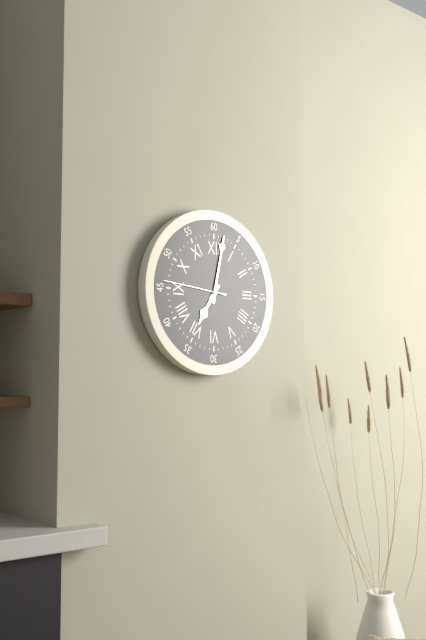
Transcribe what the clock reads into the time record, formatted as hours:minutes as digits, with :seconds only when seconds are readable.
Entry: 7:02:46
